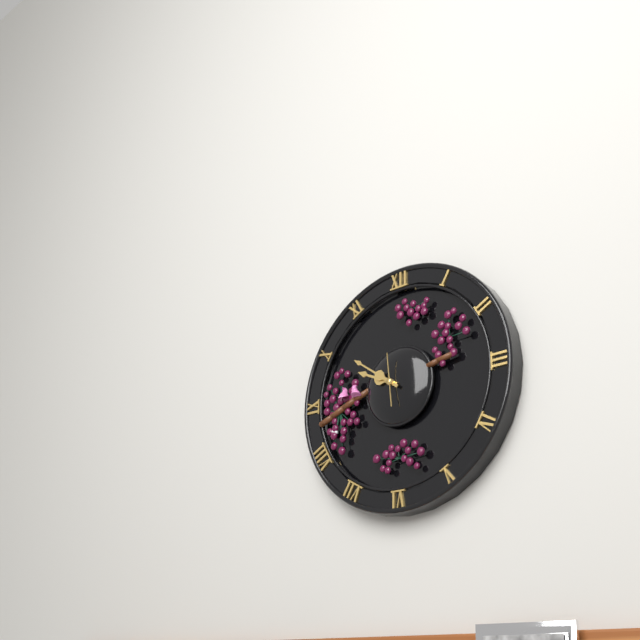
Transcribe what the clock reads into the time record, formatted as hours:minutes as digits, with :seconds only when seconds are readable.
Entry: 9:51
